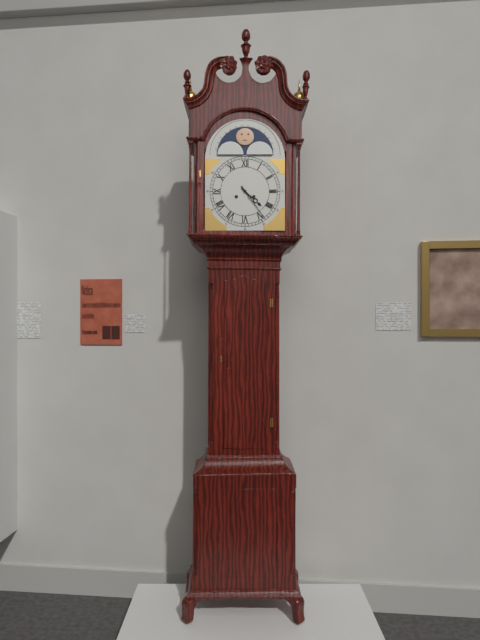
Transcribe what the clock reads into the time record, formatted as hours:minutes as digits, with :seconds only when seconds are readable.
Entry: 4:24
